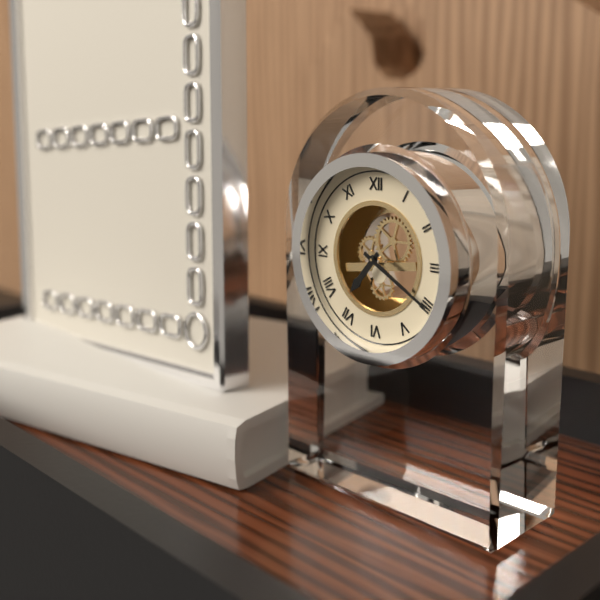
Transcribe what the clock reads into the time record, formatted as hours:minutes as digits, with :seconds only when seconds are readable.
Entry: 7:20
